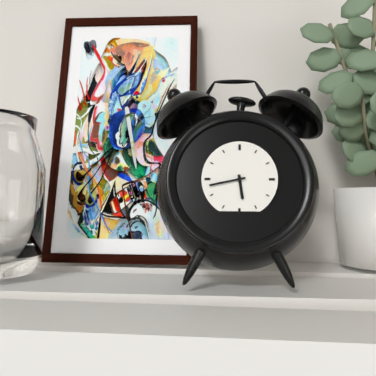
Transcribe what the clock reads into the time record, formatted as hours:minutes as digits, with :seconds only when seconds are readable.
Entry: 5:43
